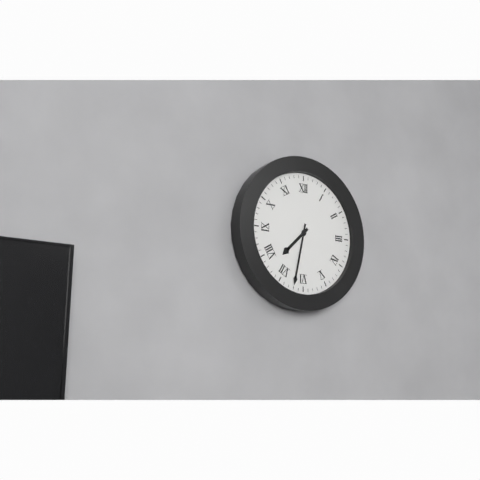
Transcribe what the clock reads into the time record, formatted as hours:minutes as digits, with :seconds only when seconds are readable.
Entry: 7:32
